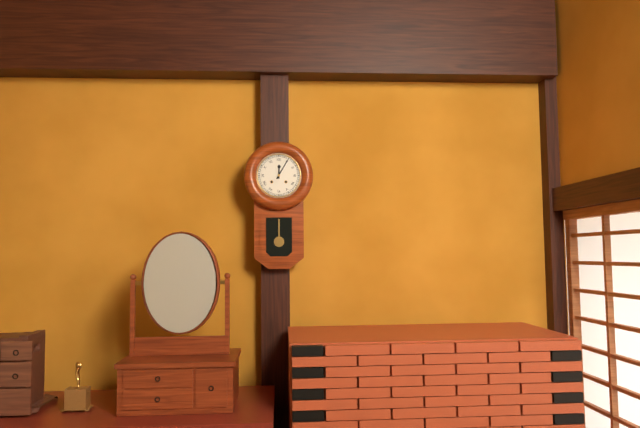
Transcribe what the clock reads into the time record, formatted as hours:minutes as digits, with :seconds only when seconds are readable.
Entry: 12:05
